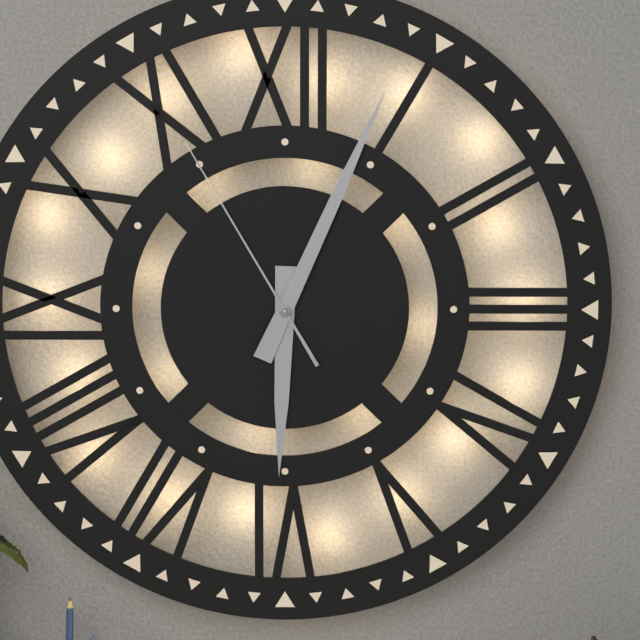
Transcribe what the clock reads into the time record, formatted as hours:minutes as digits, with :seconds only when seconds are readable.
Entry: 6:04:55
